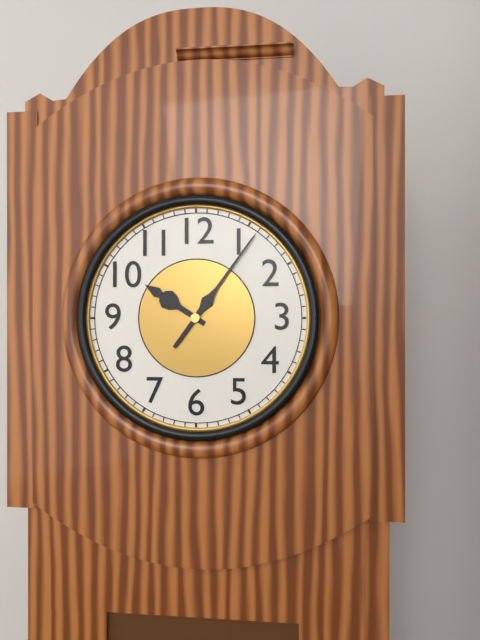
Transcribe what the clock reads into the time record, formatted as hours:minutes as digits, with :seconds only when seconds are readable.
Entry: 10:06
